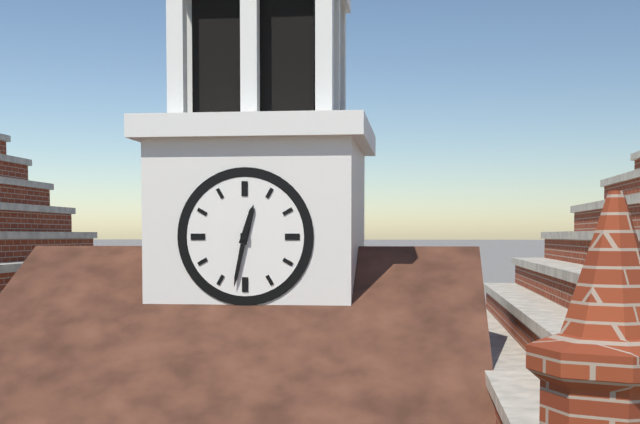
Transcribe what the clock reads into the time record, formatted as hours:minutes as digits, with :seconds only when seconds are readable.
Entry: 12:32
